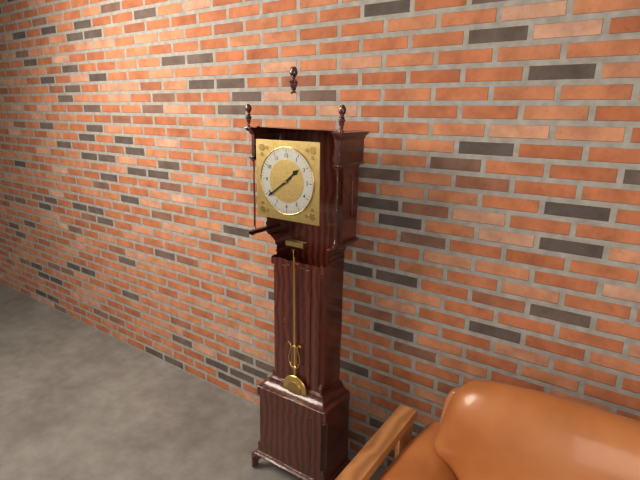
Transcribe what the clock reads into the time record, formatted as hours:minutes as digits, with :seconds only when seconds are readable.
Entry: 1:39
